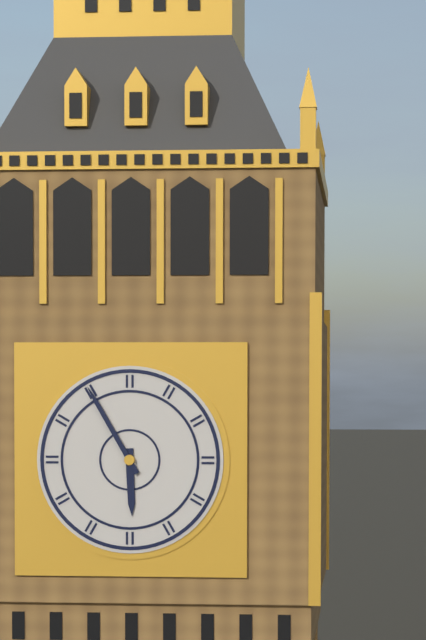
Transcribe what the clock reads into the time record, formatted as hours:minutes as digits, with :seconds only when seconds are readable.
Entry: 5:55
